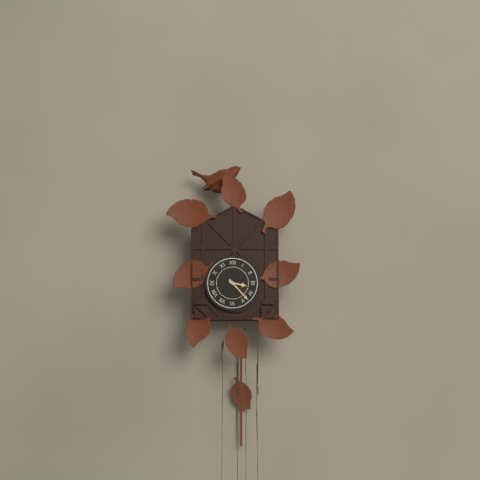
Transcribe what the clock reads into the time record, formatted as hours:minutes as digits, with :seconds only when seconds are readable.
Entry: 3:23
